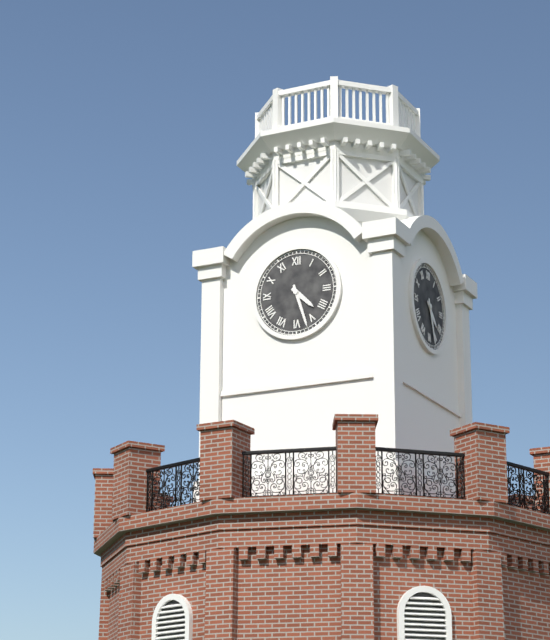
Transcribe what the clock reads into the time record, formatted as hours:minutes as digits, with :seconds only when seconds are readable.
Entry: 4:27
